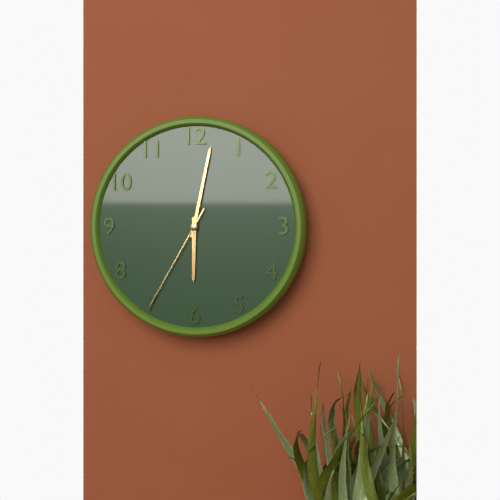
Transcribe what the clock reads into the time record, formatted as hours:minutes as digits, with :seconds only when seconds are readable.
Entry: 6:02:35
